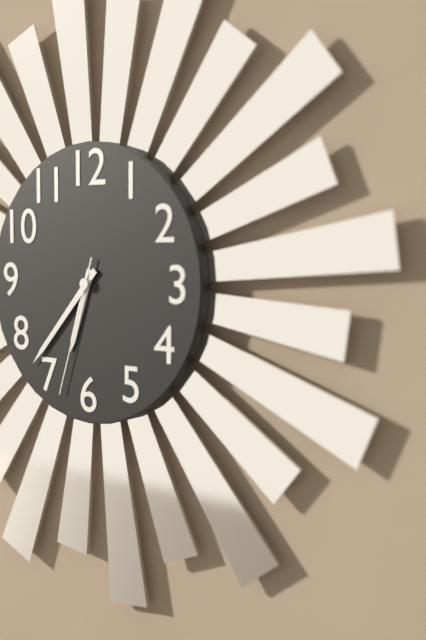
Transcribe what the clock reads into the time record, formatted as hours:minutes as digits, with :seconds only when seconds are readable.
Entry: 6:37:33
